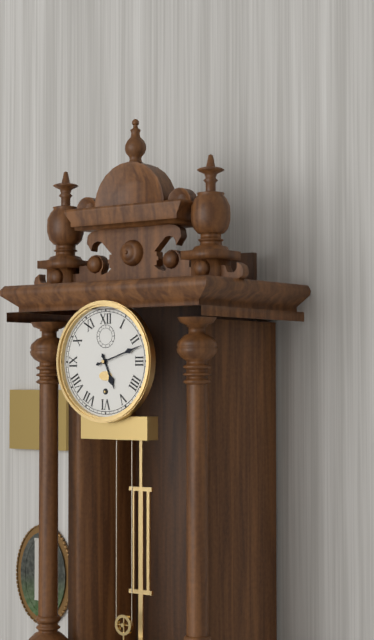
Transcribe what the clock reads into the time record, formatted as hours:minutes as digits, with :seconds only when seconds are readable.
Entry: 5:12
